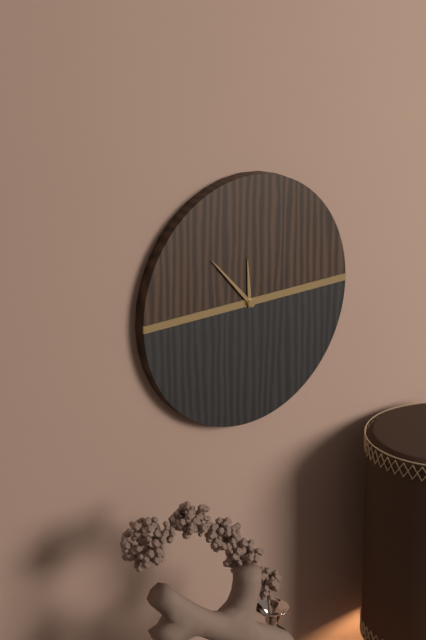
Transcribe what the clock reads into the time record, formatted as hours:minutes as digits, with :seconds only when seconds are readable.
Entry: 11:53
